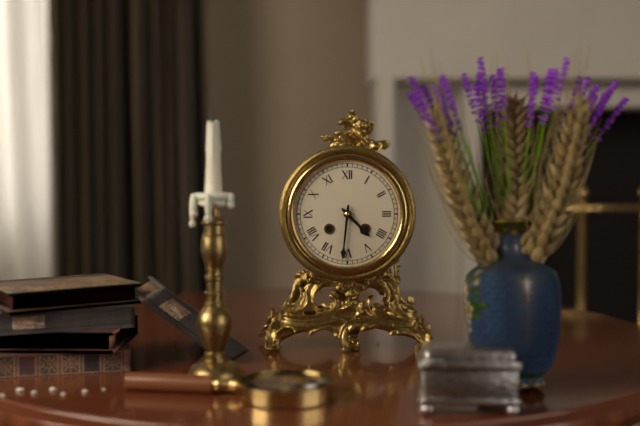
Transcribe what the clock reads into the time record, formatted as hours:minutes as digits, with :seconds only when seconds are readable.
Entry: 4:31
